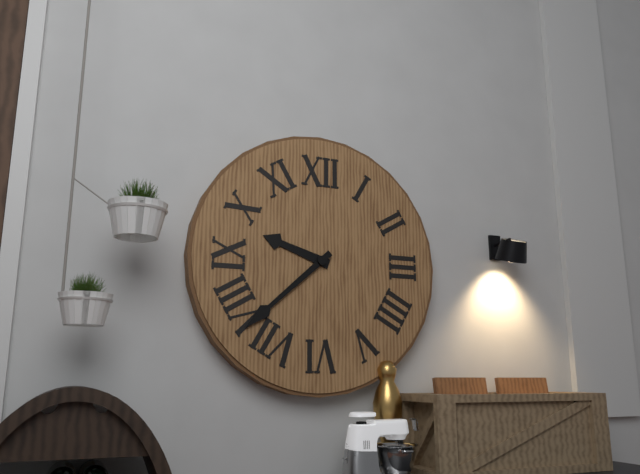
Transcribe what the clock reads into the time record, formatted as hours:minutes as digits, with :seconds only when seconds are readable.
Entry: 9:38
